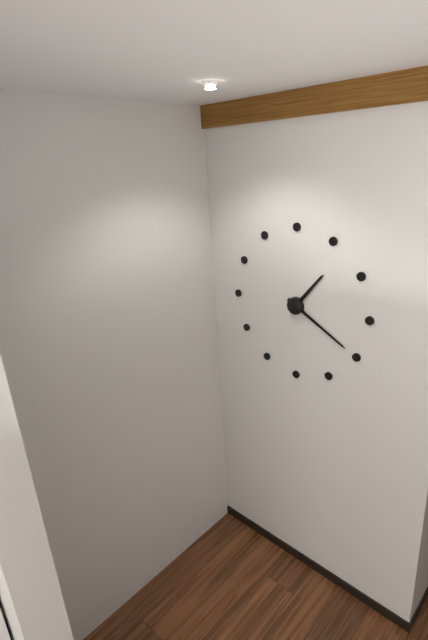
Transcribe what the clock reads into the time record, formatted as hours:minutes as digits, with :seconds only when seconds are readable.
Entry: 1:20
